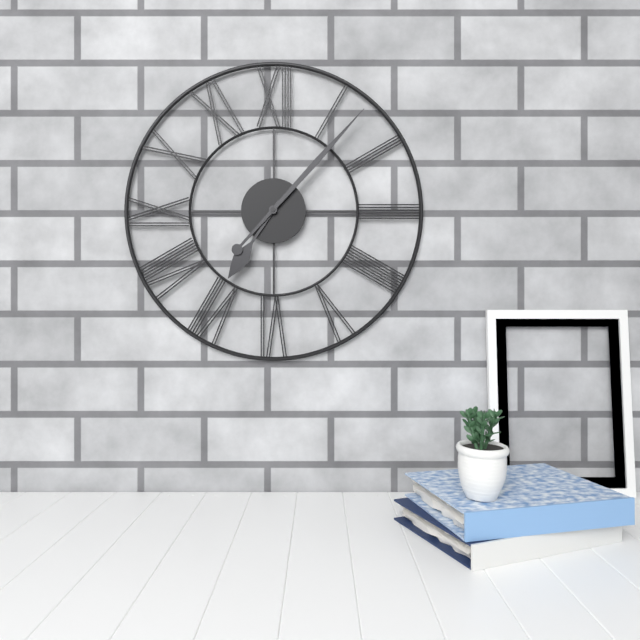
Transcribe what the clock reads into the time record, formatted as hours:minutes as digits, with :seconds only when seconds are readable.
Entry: 7:07
